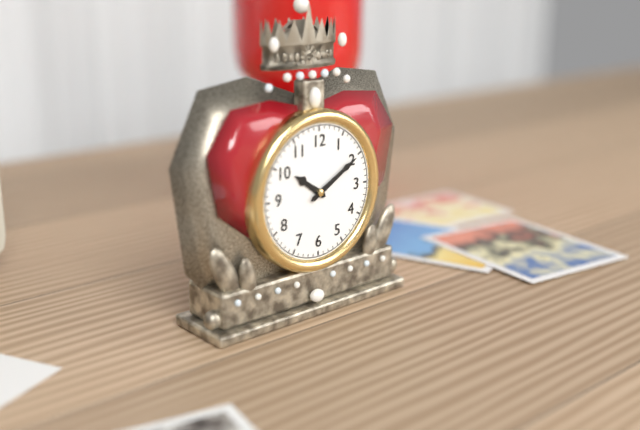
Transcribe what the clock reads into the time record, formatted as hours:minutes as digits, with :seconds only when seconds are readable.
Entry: 10:10
